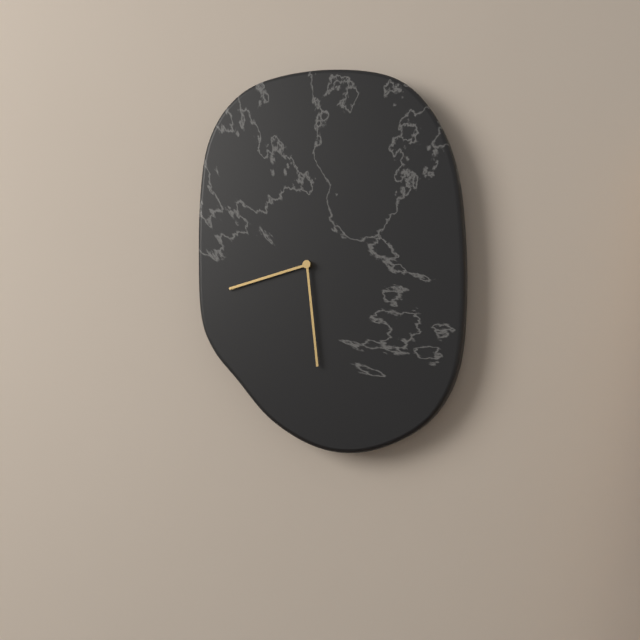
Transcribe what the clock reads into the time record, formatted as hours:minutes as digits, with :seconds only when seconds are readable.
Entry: 8:29
